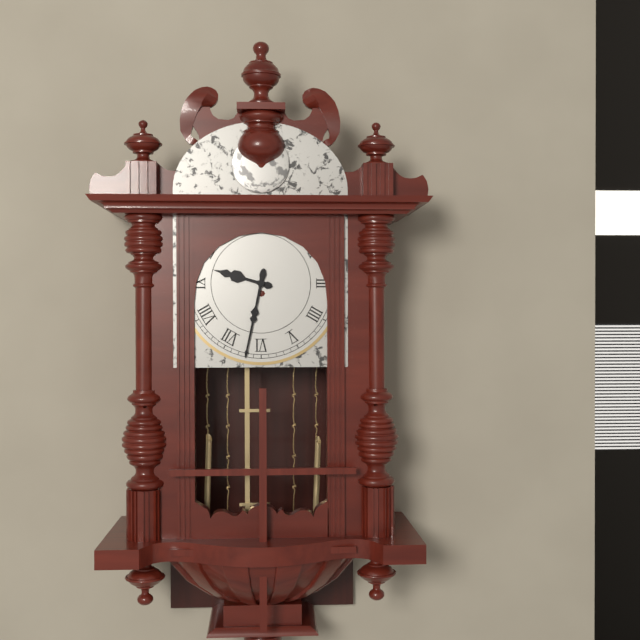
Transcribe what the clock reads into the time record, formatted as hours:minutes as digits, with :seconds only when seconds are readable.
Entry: 9:32
